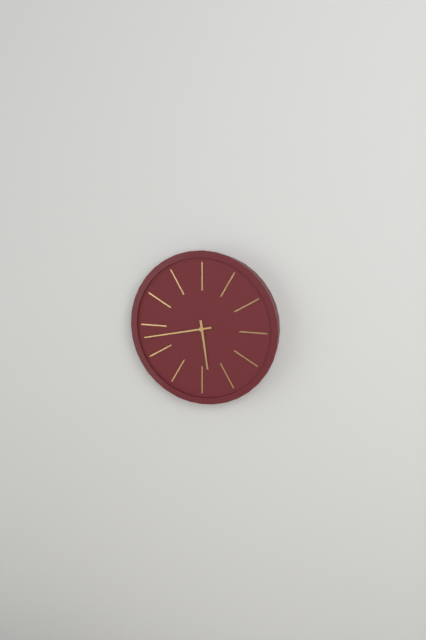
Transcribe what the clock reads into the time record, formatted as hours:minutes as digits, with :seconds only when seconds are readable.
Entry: 5:43
